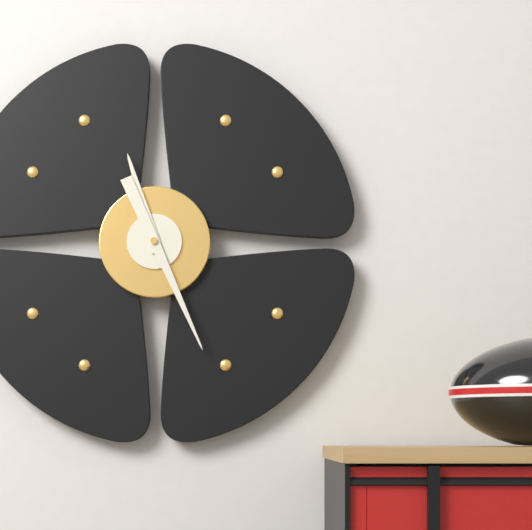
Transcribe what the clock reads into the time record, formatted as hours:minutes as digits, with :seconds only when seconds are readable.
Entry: 11:26
